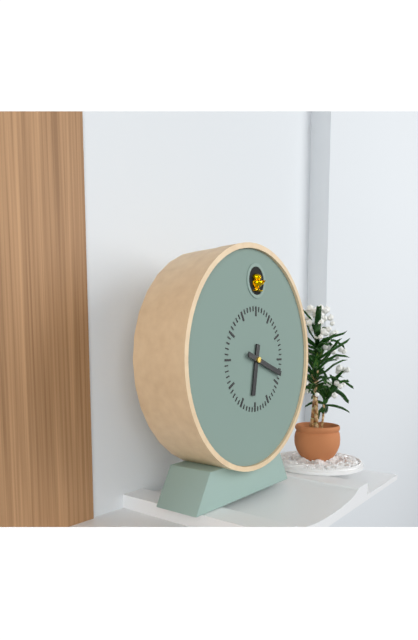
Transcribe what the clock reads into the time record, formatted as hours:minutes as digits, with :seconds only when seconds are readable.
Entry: 6:18
